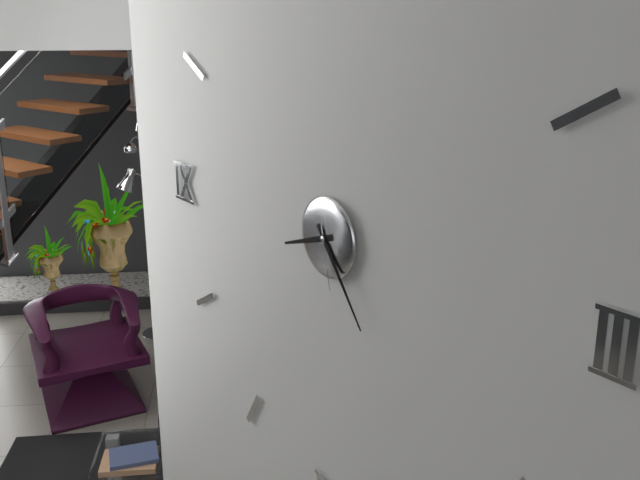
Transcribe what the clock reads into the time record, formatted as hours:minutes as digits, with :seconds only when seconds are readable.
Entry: 8:24:28
